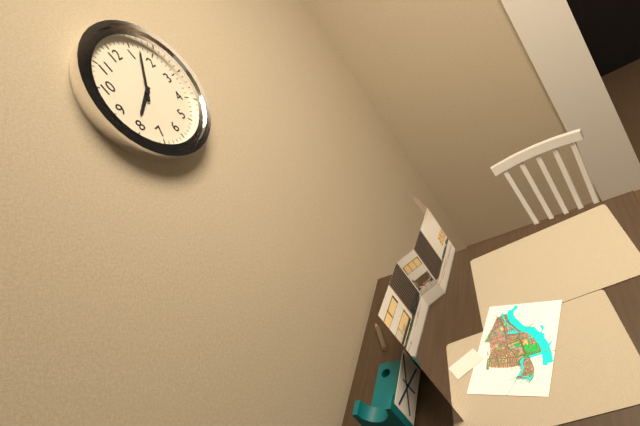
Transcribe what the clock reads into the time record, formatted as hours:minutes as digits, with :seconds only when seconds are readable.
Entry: 8:07
